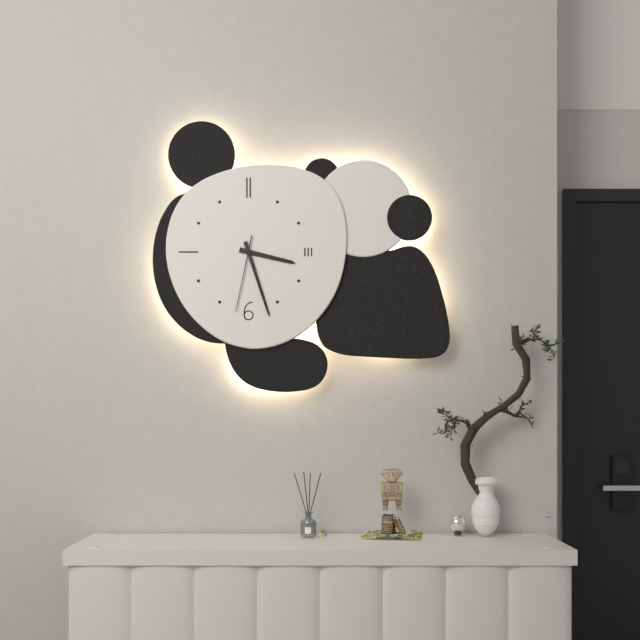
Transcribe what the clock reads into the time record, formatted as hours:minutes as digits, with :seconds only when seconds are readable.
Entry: 3:27:32
